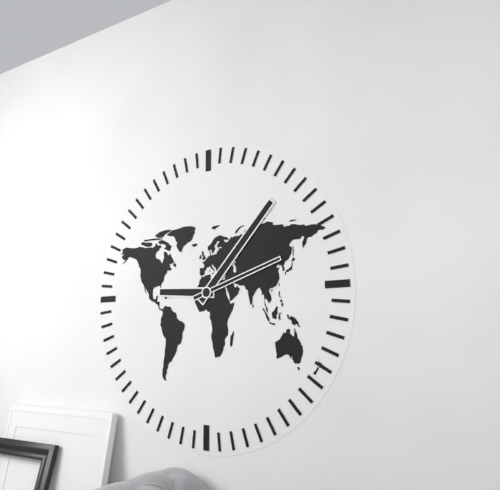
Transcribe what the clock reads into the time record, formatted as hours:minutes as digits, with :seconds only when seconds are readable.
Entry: 9:07:12
